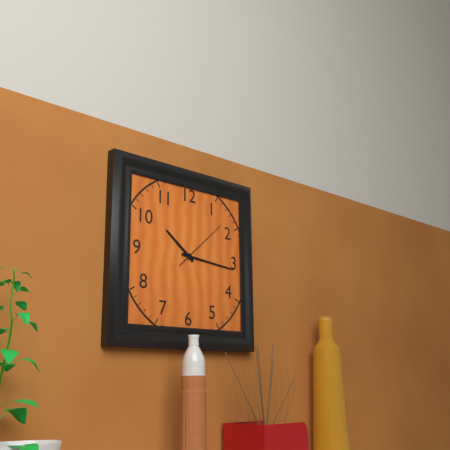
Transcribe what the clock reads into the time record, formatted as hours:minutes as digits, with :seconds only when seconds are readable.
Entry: 10:16:08
